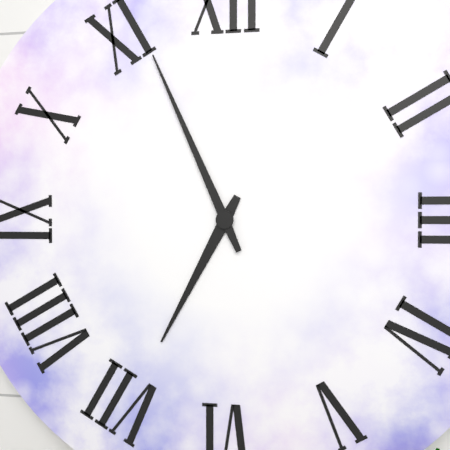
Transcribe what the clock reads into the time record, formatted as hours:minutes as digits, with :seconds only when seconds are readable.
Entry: 6:56
